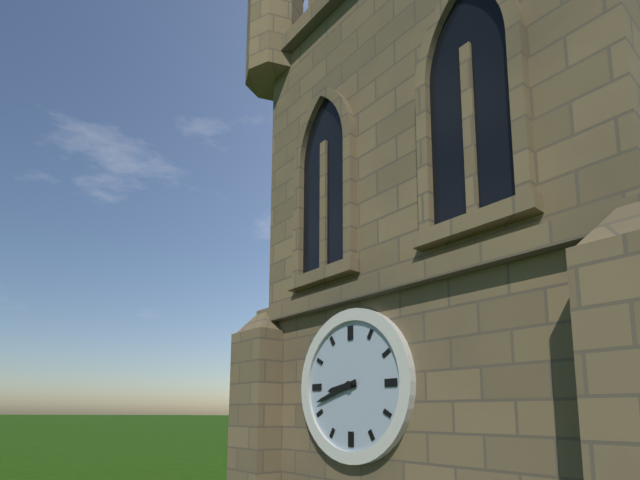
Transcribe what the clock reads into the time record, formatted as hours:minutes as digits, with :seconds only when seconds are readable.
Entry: 8:42
